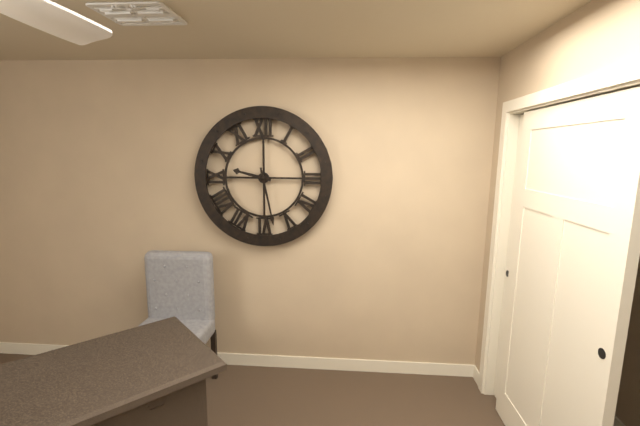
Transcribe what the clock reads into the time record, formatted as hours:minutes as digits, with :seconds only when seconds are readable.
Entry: 9:28
